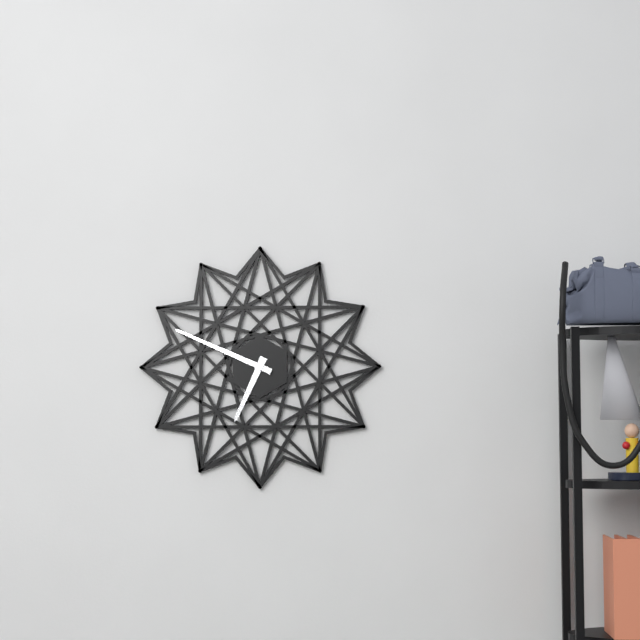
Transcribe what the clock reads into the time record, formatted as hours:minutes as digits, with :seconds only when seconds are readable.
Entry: 6:49
